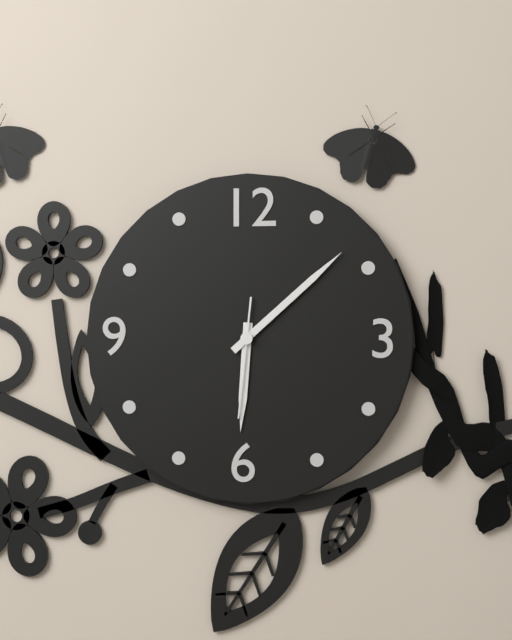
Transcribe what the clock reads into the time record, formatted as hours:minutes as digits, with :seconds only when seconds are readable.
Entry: 6:08:31
